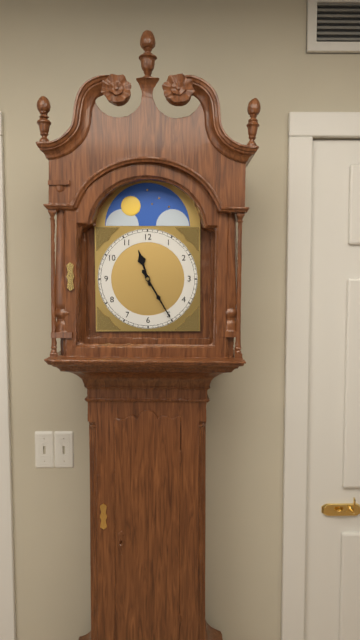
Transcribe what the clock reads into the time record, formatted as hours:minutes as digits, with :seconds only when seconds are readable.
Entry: 11:25
